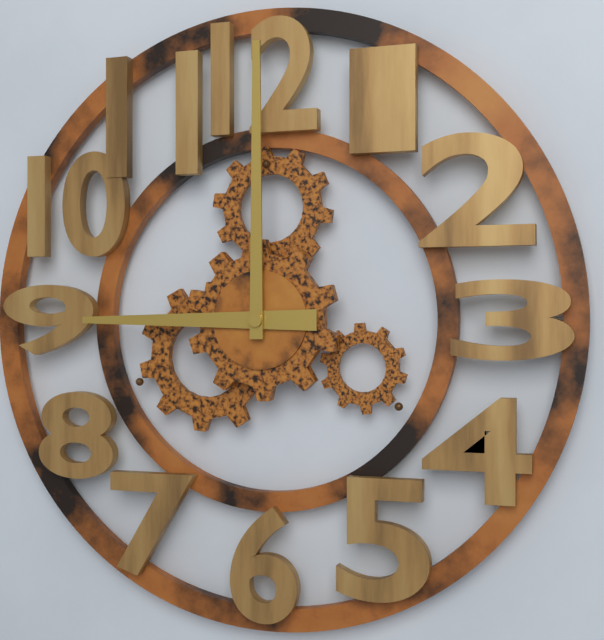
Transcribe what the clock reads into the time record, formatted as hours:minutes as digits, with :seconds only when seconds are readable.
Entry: 9:00
